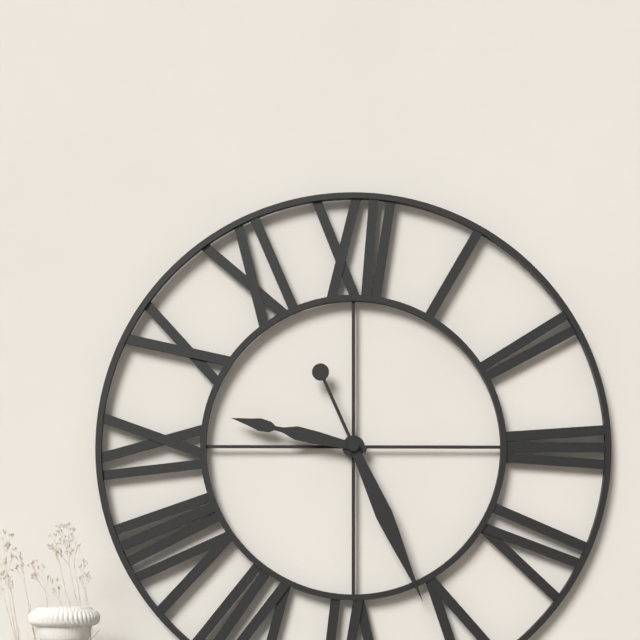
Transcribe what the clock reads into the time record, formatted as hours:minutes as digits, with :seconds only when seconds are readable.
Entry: 9:26
